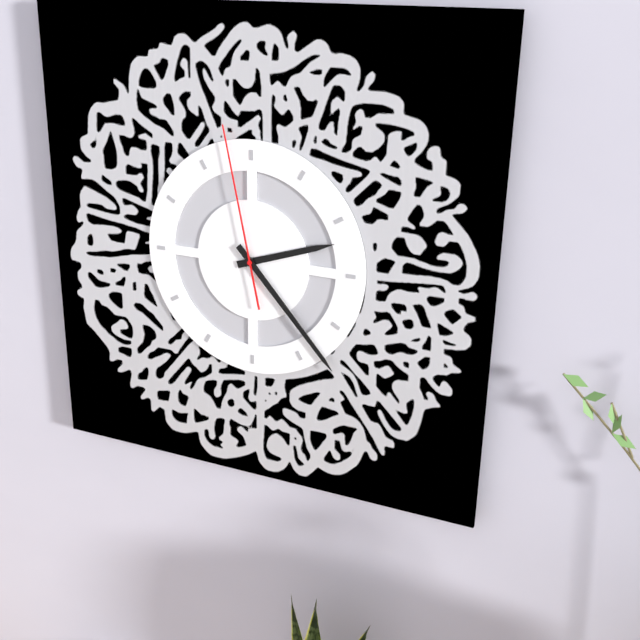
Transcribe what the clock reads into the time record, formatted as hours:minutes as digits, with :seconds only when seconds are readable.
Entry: 2:23:58
